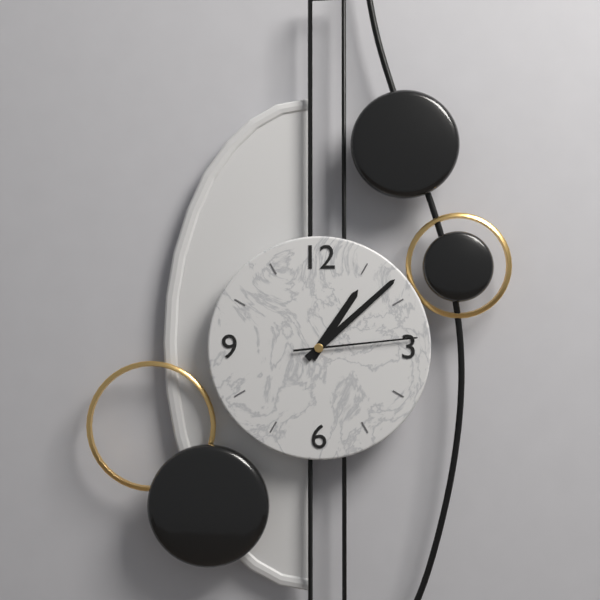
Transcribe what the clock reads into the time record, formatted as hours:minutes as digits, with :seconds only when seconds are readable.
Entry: 1:08:14
